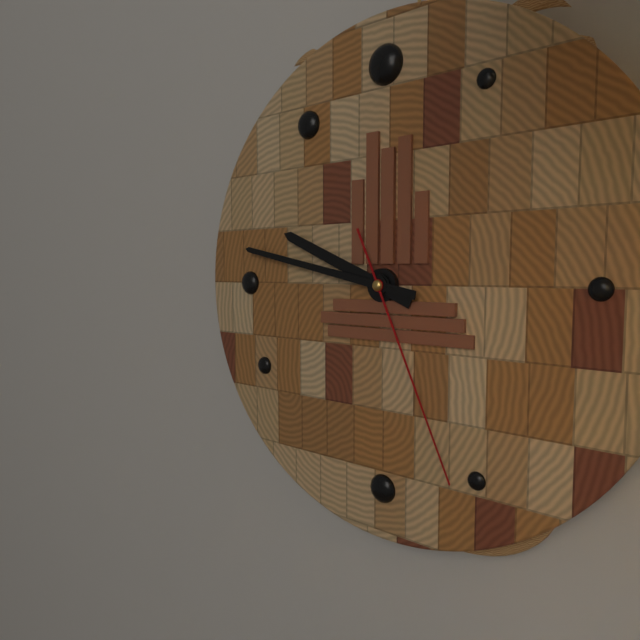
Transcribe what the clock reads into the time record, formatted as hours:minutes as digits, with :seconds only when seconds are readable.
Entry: 9:47:26
